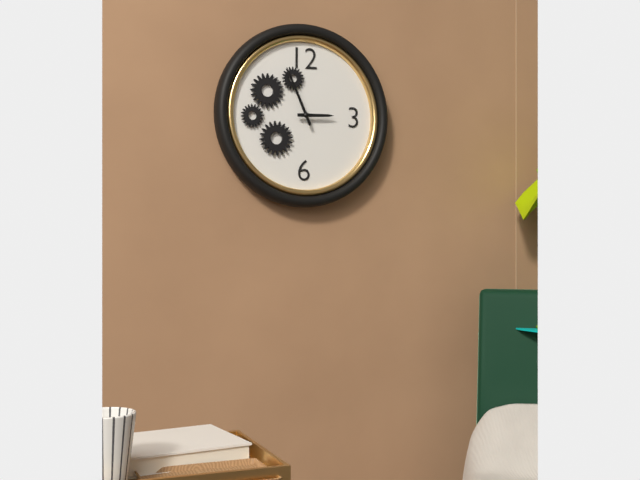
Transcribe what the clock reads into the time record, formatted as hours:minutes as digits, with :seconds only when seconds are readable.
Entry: 2:56
